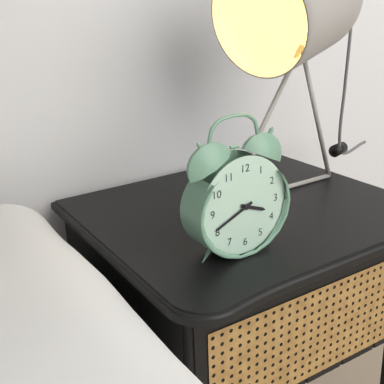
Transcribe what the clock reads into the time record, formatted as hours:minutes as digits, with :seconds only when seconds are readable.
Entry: 3:41
